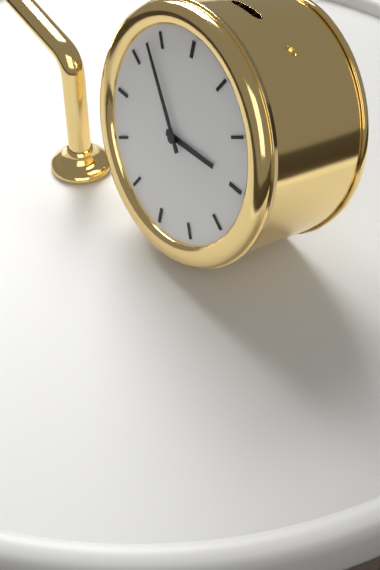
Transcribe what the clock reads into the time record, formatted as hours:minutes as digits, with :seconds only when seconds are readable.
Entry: 2:53
